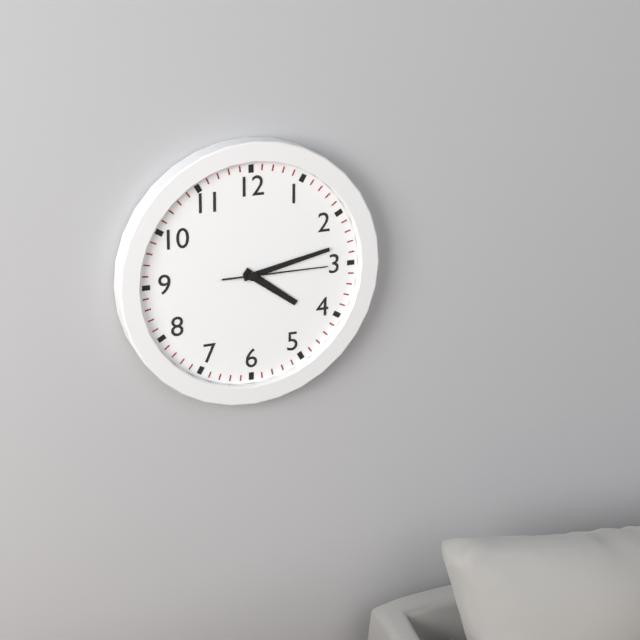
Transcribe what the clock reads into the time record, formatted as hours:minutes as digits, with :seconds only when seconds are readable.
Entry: 4:13:15
